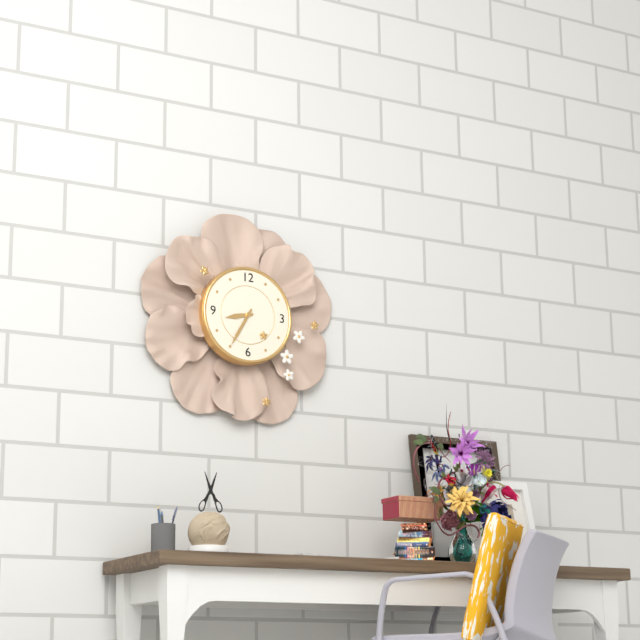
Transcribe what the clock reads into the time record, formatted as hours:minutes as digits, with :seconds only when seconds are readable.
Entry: 8:35
